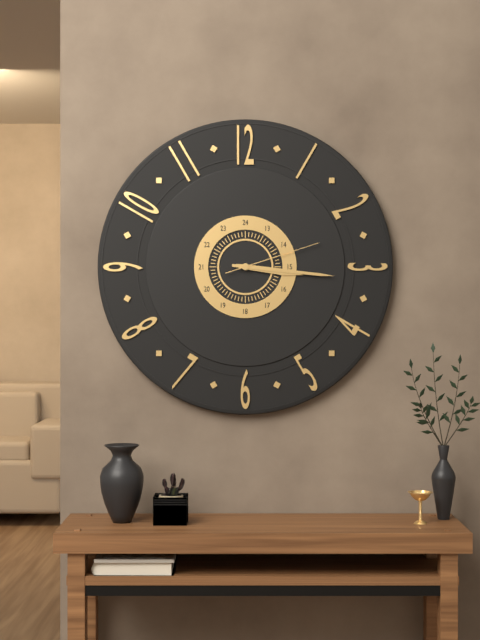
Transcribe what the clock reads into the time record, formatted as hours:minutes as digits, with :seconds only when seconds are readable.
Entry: 3:16:12
